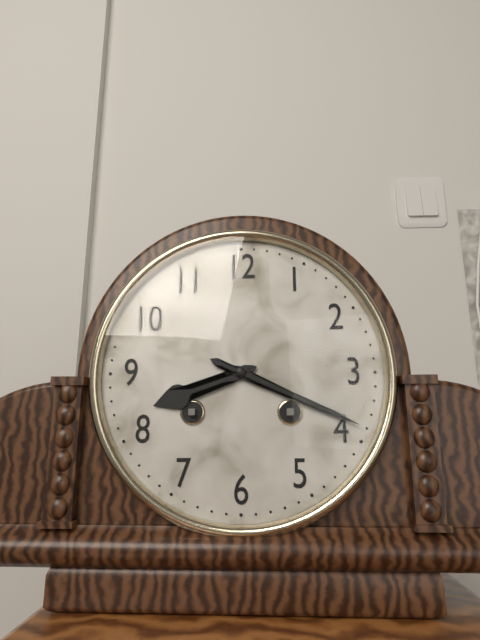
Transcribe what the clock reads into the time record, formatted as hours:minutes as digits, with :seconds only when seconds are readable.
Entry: 8:19
